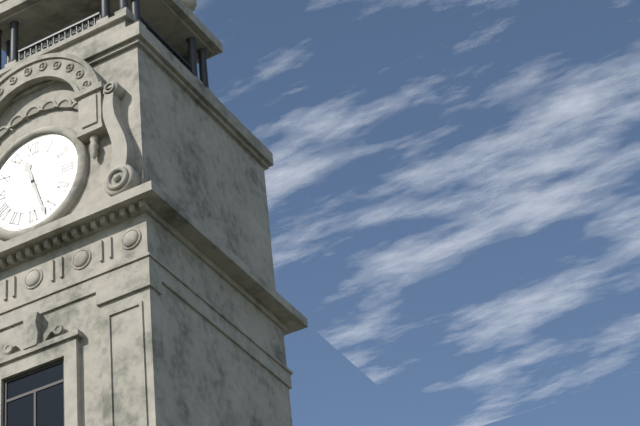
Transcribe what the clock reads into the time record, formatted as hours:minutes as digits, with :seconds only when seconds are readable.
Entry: 11:27
